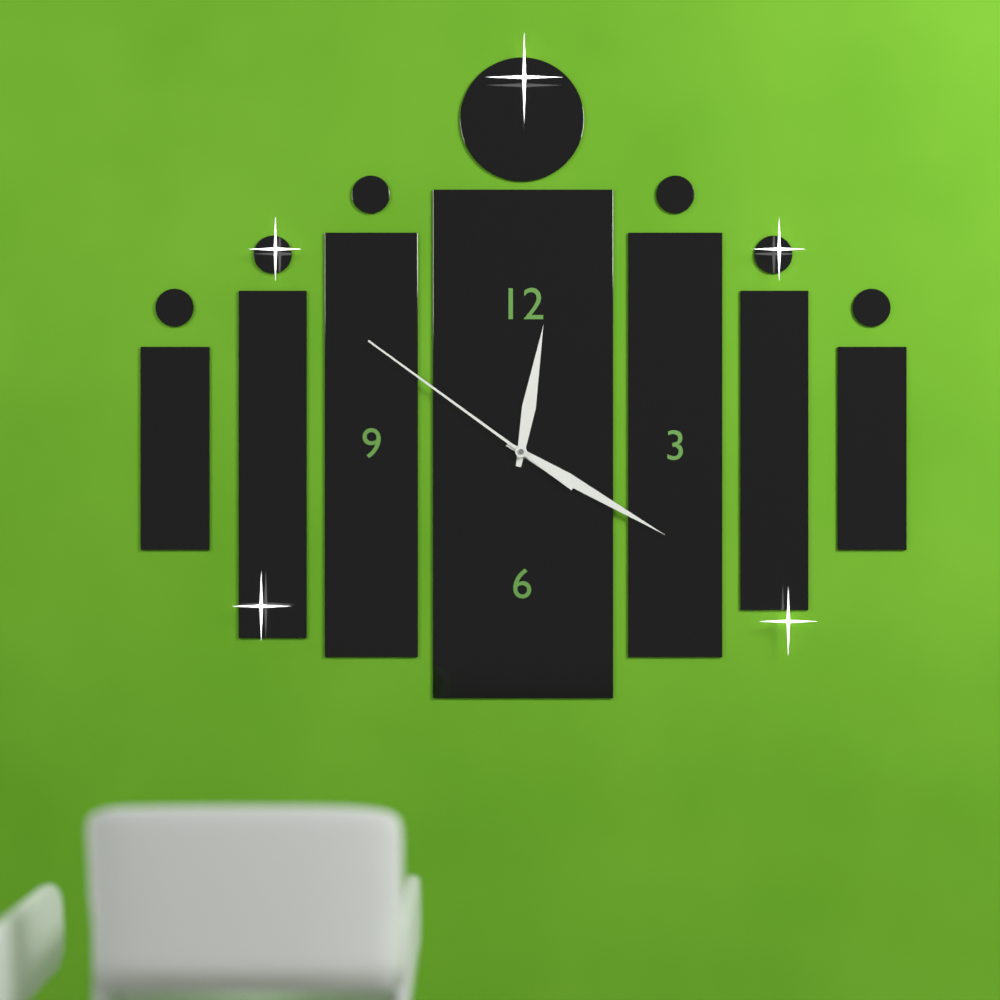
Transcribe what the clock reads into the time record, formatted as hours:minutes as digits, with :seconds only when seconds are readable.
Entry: 12:20:51
